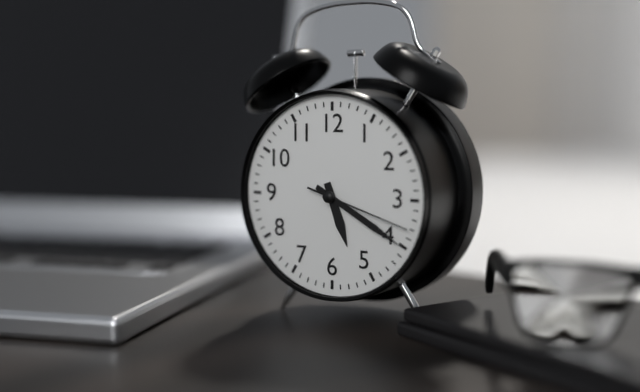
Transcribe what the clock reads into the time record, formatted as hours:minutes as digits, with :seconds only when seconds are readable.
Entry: 5:20:18
